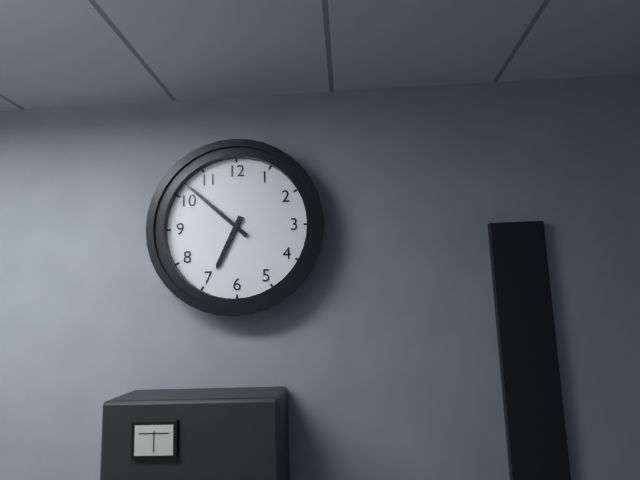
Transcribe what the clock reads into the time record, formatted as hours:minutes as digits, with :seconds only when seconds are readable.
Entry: 6:52
